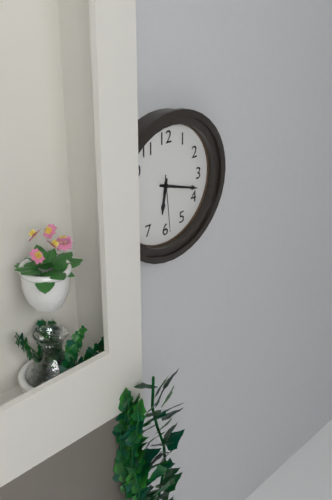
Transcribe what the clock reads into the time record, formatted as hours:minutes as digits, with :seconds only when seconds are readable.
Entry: 6:18:29
